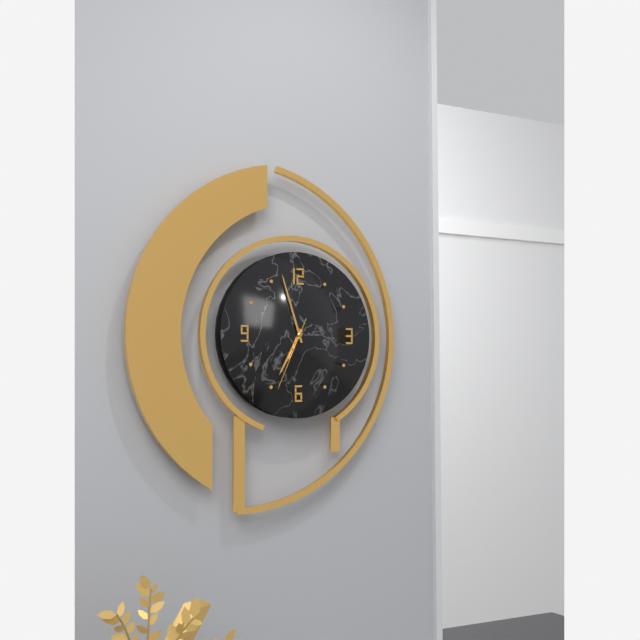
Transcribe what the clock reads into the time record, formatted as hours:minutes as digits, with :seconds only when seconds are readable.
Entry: 6:57:34
